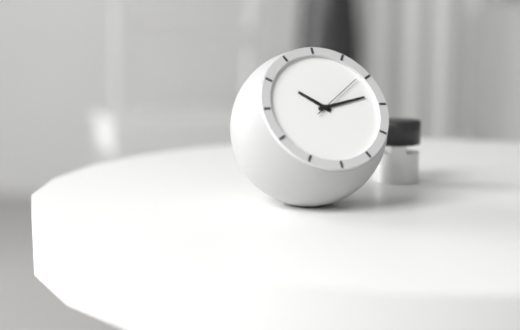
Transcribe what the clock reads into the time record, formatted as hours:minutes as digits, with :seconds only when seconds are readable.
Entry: 10:13:09
